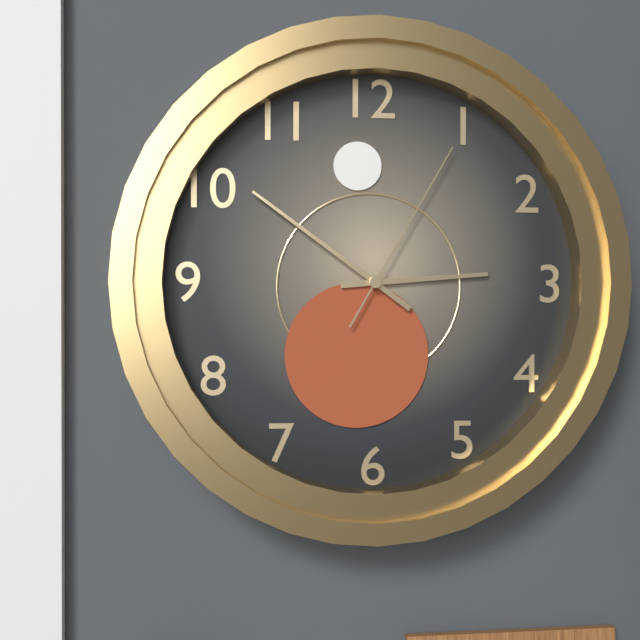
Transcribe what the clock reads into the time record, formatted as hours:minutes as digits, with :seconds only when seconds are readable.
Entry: 2:51:05
